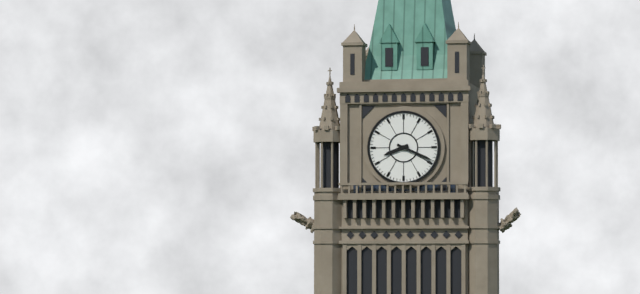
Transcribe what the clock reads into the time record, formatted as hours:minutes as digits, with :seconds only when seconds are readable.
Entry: 8:19
